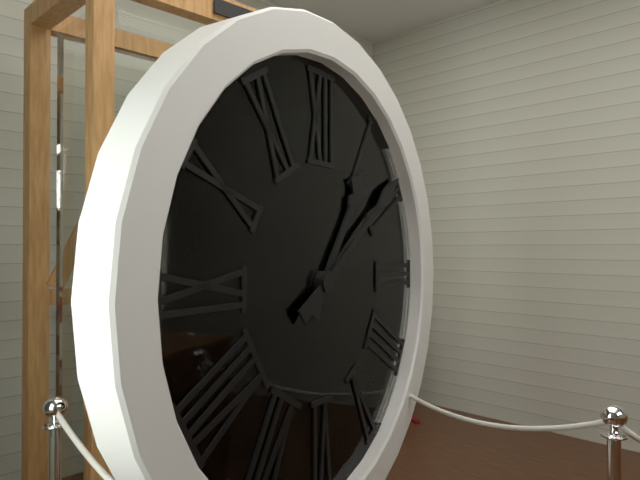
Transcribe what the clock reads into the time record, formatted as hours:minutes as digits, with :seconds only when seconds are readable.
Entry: 1:09
